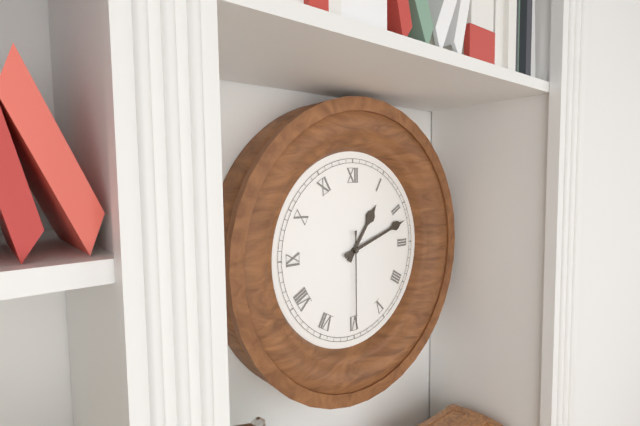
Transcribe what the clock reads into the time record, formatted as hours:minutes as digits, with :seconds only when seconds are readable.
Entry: 1:12:30
